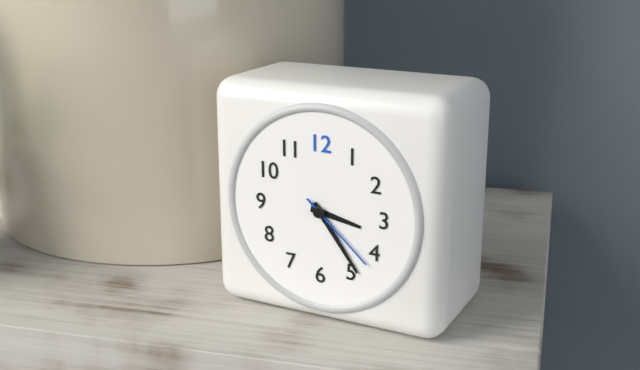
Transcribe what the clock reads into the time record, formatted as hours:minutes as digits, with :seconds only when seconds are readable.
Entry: 3:24:22
